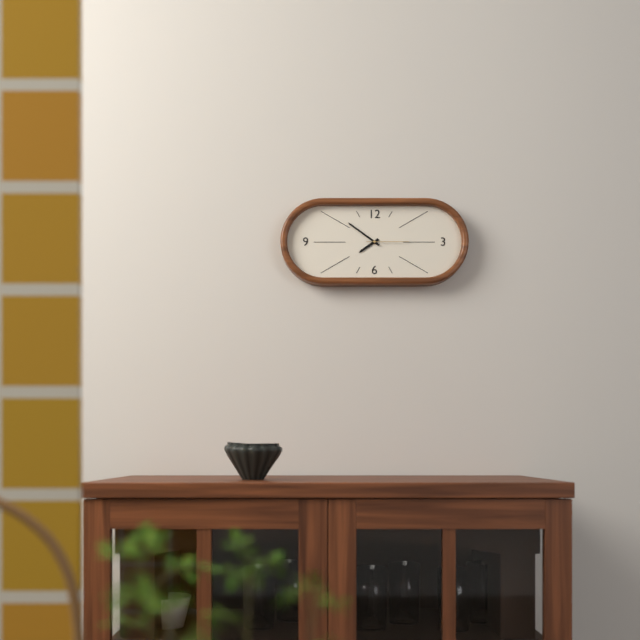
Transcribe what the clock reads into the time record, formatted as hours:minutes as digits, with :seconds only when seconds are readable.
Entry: 7:51
